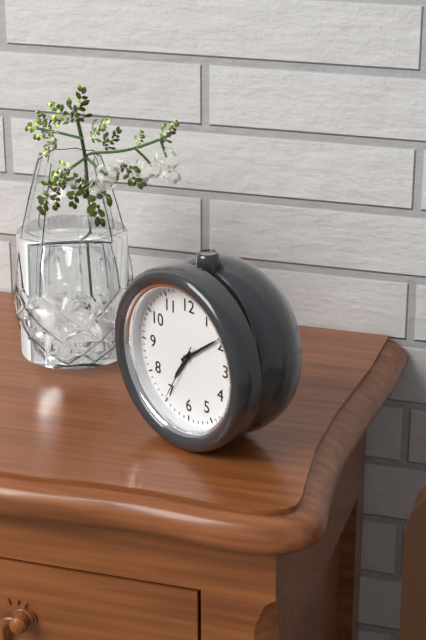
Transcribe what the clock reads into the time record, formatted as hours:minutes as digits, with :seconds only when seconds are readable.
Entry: 7:09:35
